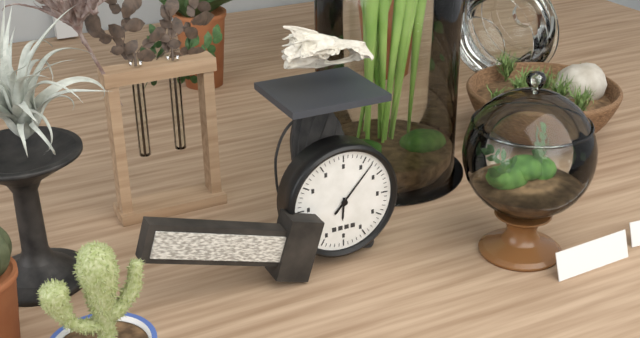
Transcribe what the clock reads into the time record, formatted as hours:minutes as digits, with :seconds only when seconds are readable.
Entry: 6:07
